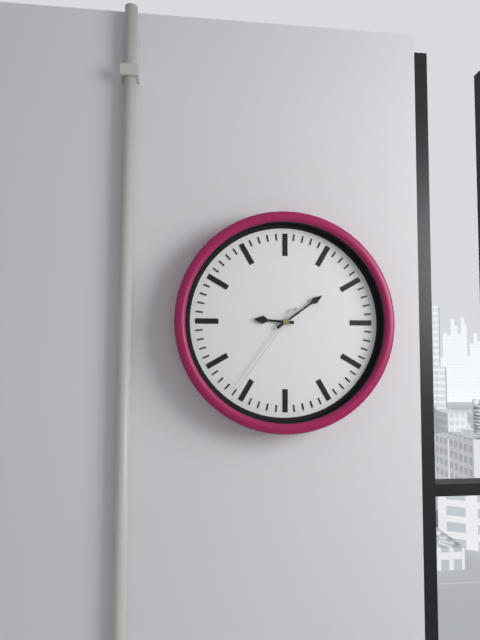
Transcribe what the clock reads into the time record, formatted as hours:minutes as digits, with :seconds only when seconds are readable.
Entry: 9:09:36
